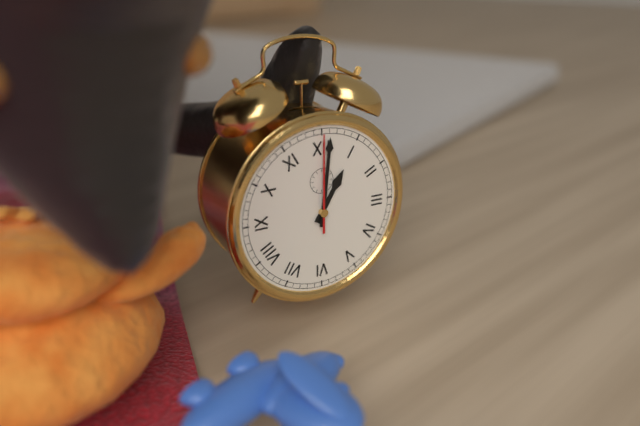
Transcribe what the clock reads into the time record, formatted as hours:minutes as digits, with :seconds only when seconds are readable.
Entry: 1:01:00
